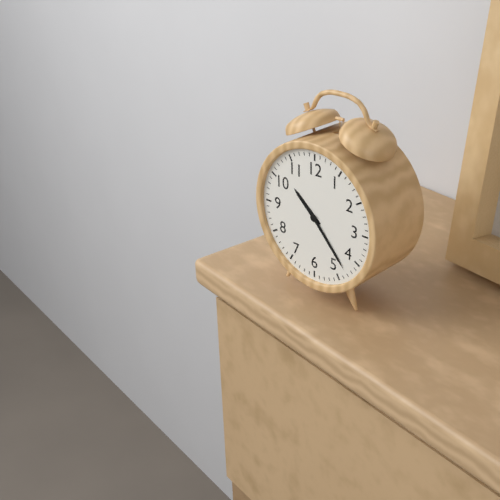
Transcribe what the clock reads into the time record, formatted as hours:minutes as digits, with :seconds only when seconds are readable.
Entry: 10:23
